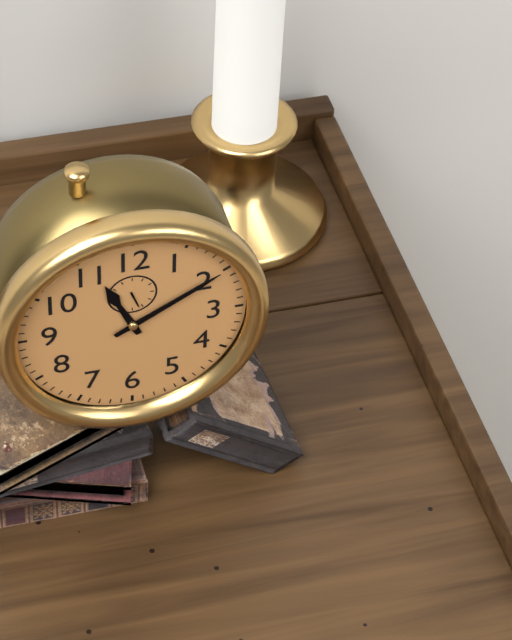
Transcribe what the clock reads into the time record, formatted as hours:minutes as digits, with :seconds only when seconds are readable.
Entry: 11:10
